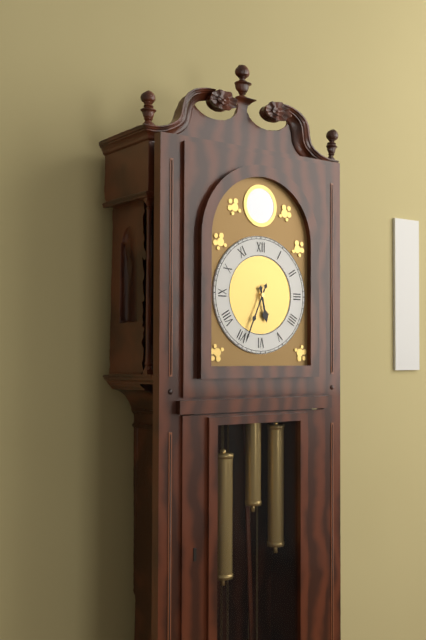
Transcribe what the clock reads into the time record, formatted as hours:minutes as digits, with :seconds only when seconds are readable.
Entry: 5:34
